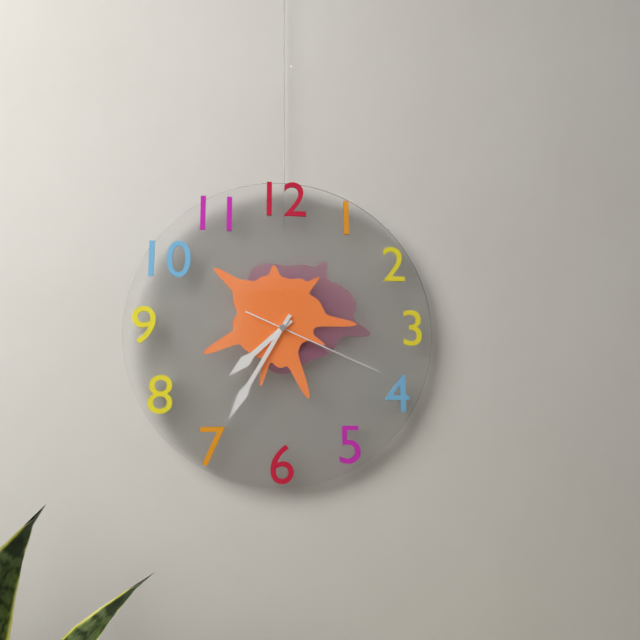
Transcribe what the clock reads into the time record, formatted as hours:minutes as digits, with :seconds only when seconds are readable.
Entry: 7:35:19
